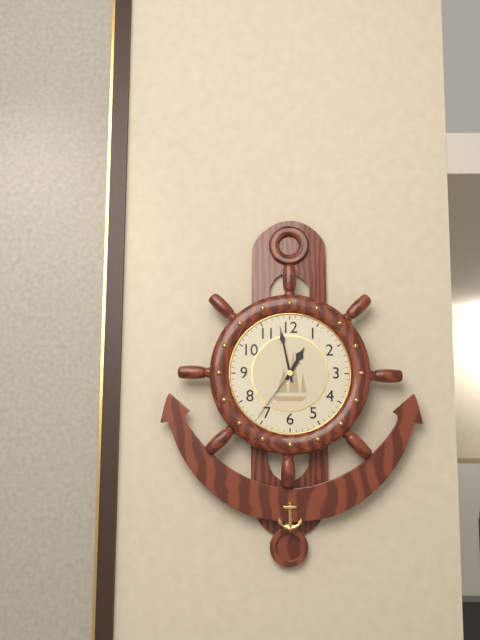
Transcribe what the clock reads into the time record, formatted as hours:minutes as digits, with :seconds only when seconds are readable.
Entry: 12:58:36
